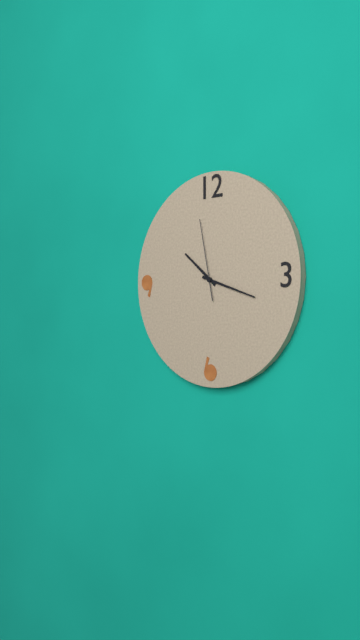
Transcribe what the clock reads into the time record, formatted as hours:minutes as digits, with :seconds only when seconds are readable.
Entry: 10:18:58
